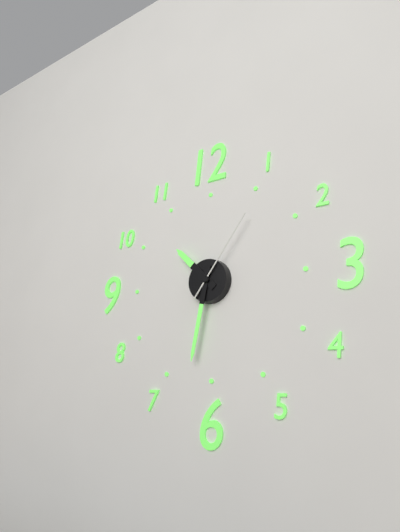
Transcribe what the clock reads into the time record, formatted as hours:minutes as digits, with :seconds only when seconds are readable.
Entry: 10:32:06
